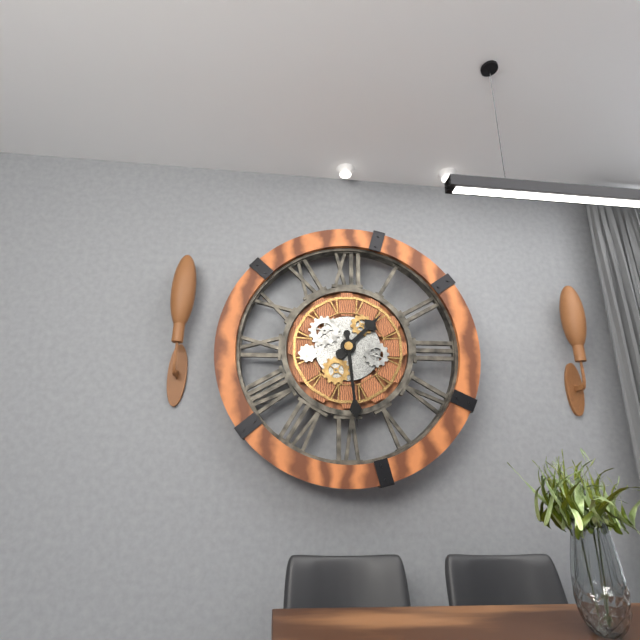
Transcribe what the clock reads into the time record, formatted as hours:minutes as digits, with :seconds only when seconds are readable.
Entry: 1:29
